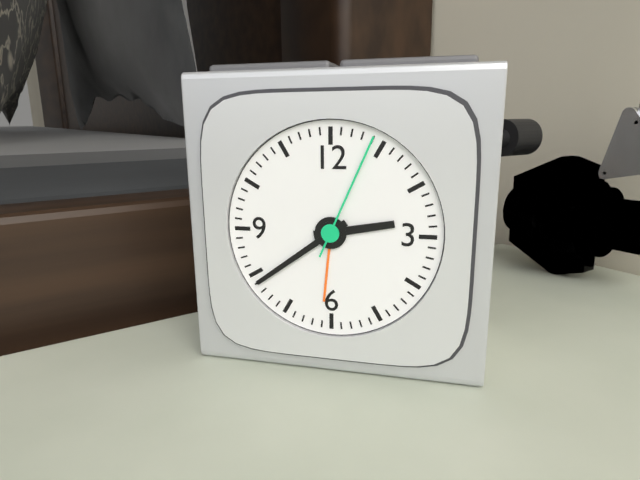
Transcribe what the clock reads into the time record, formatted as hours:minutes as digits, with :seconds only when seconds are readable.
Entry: 2:39:04
